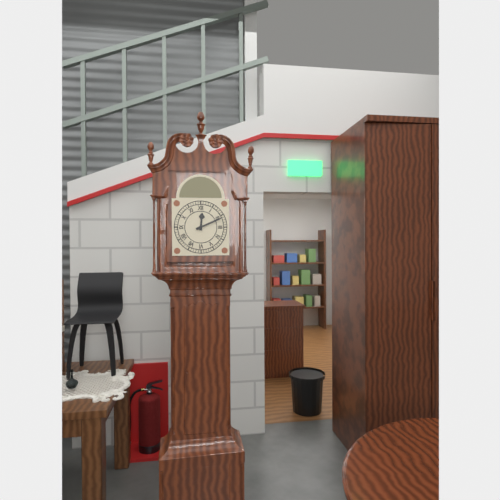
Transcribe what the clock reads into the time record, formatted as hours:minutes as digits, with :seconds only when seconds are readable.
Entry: 12:11
